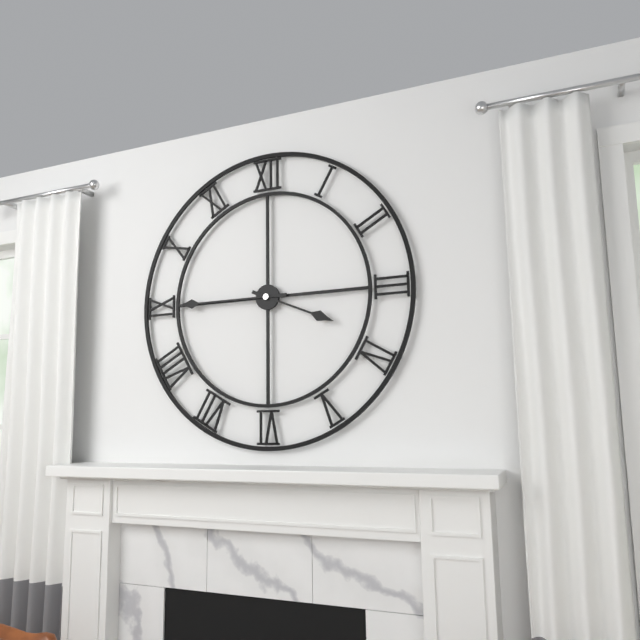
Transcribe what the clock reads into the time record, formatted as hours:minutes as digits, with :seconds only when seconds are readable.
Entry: 3:45
